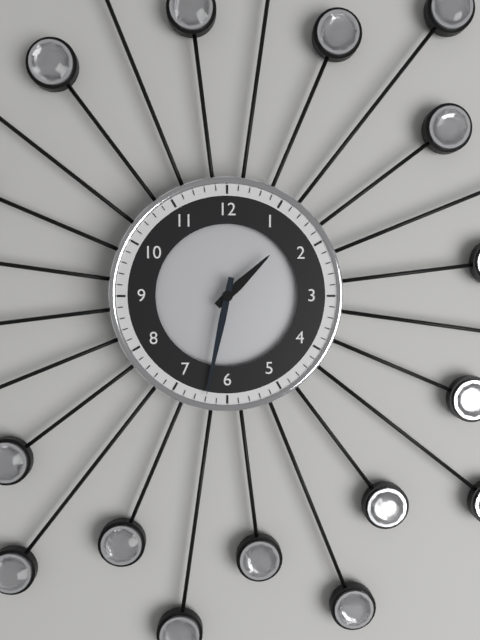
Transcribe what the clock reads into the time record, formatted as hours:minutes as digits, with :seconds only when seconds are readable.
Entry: 1:32
